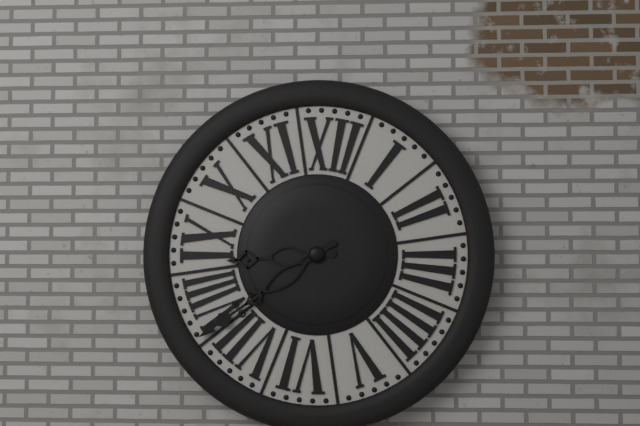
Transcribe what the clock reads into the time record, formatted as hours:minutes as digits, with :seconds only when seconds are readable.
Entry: 8:38
